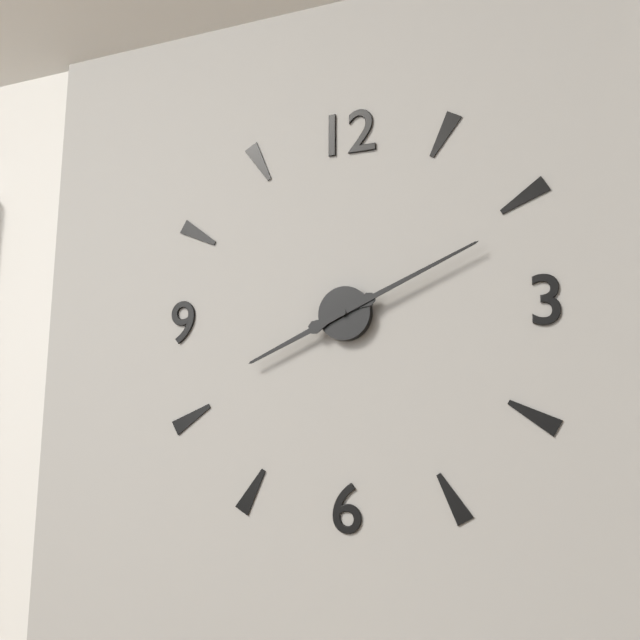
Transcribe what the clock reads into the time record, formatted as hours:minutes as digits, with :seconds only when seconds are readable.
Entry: 8:11
